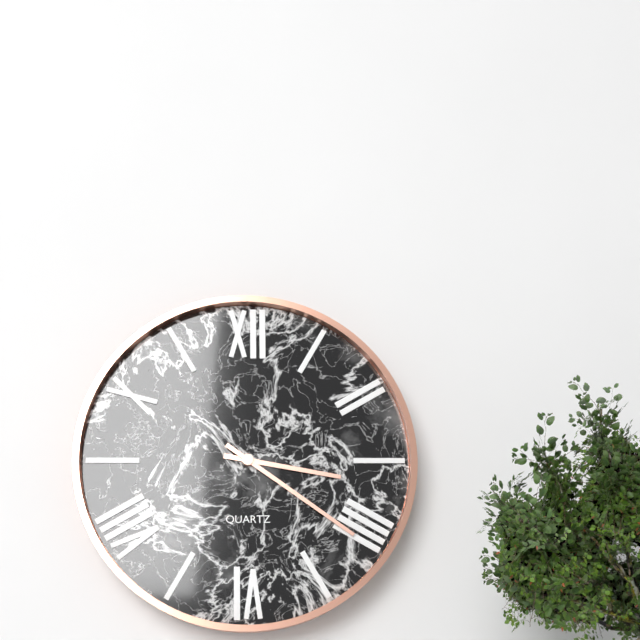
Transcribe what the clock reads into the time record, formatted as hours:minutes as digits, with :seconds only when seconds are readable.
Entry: 3:21
